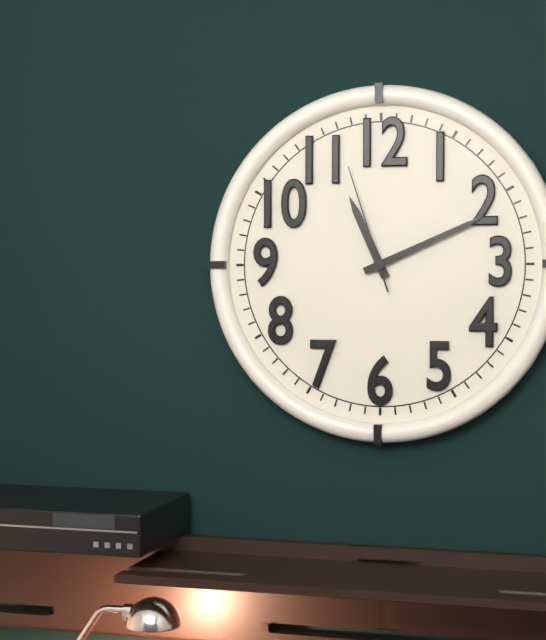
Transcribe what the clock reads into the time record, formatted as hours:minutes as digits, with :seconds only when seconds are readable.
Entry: 11:11:57
